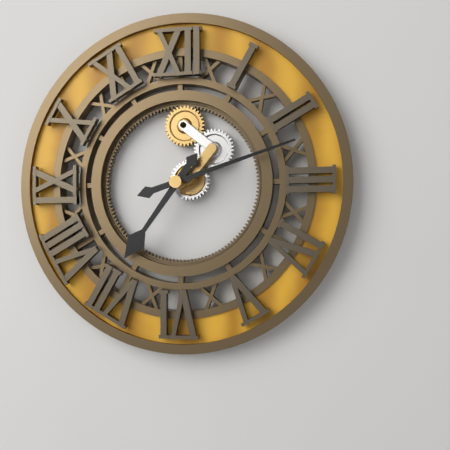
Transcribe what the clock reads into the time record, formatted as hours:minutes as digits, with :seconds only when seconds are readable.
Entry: 7:12
